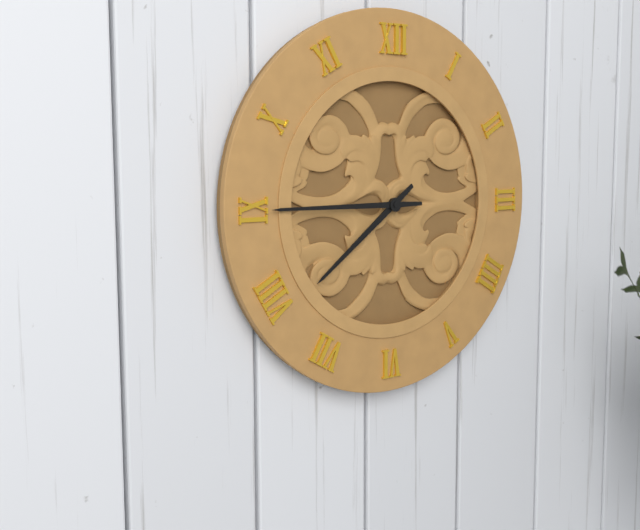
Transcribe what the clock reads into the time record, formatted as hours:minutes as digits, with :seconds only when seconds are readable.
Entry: 7:45
